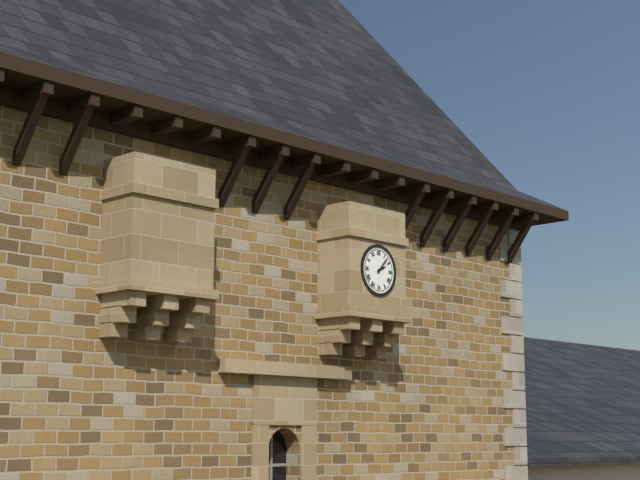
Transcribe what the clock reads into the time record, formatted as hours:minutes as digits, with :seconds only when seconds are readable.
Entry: 2:07
